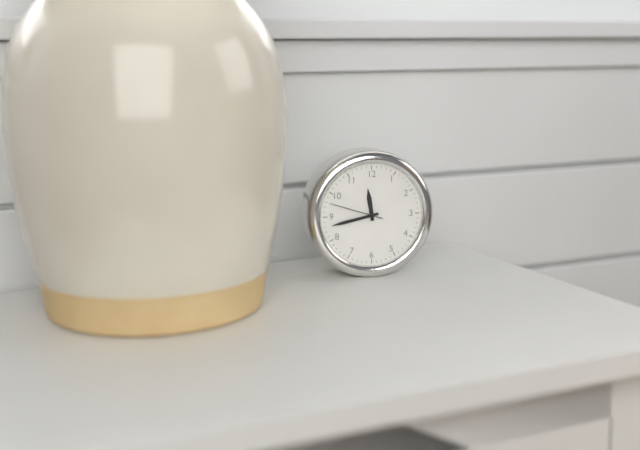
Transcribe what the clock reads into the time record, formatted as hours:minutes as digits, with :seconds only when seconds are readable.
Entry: 11:43:48
